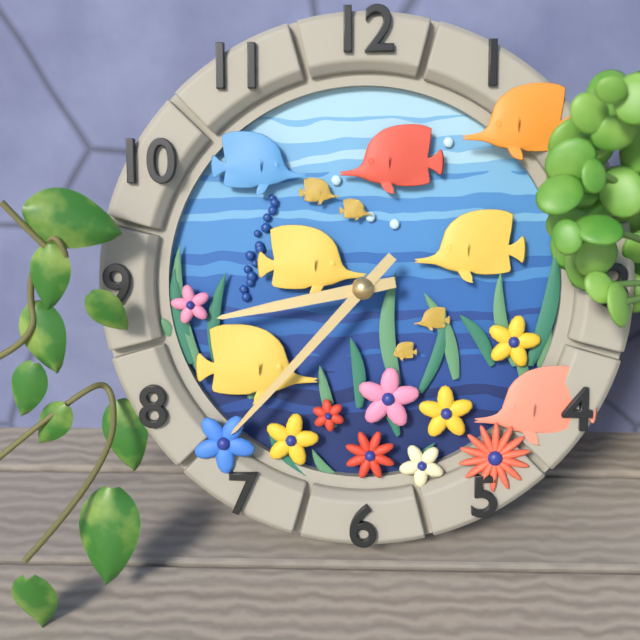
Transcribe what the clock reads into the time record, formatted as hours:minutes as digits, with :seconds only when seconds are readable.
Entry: 8:37
